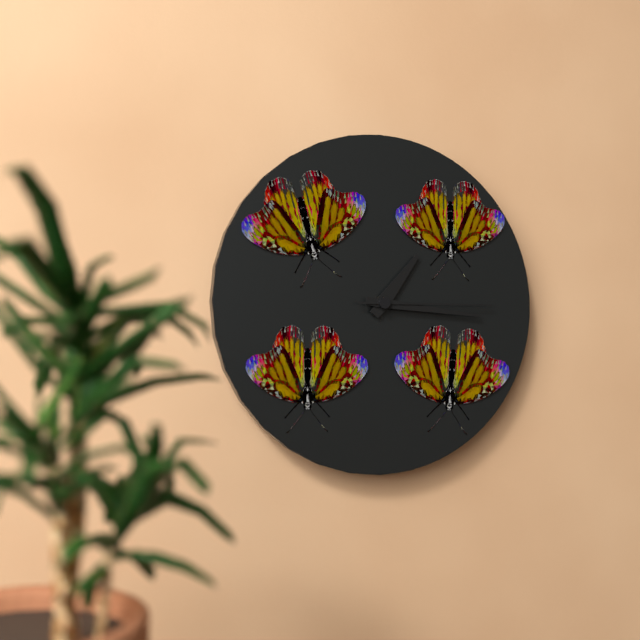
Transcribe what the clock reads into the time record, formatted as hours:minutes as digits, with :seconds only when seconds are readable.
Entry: 1:16:15
